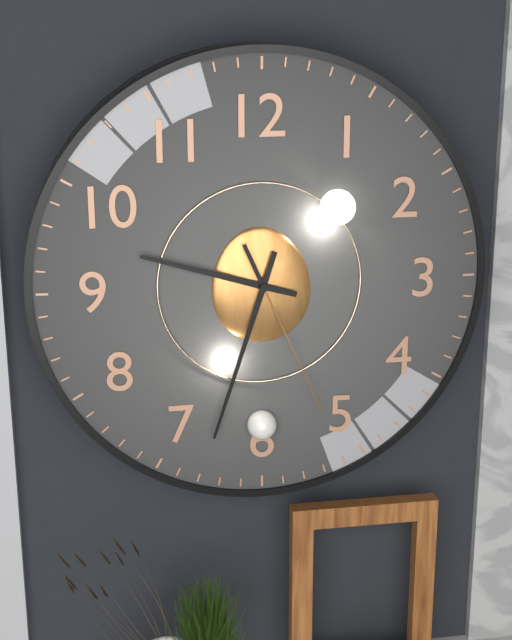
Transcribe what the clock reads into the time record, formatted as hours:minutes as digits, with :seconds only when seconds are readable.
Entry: 9:33:26
